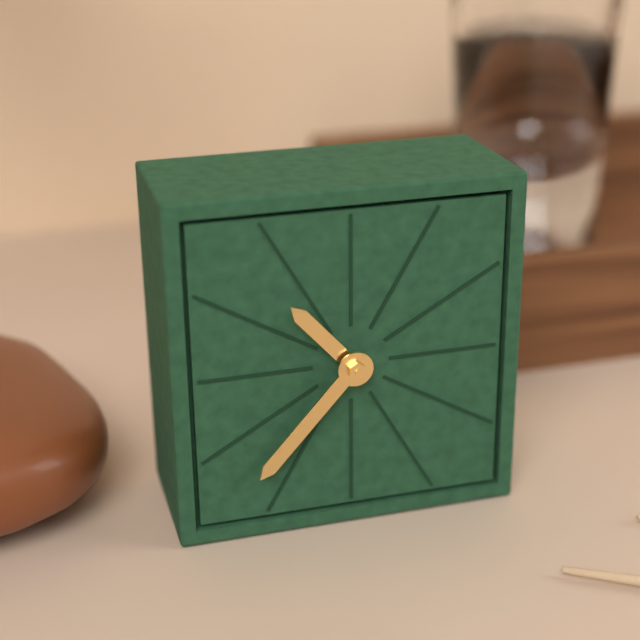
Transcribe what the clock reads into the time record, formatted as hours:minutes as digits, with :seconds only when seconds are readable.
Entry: 10:37
